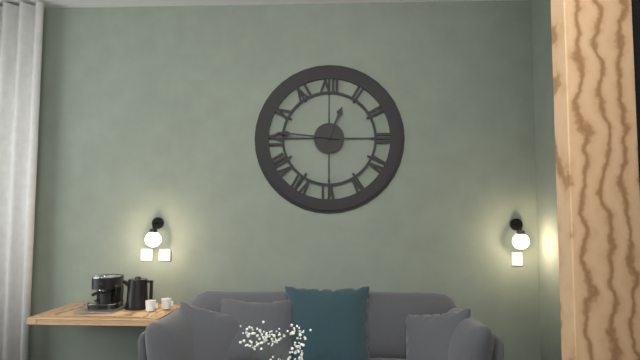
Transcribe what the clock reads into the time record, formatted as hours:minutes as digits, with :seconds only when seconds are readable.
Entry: 12:46
